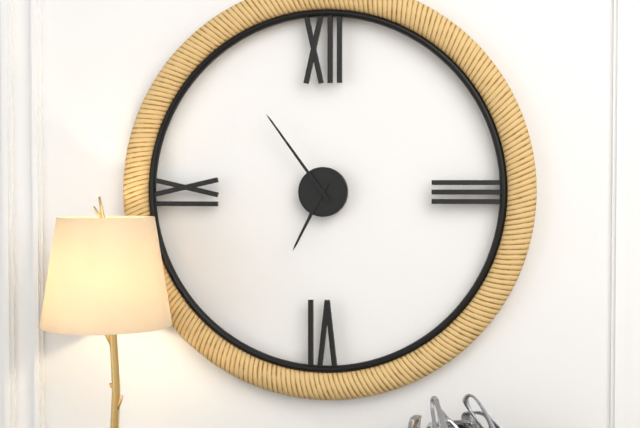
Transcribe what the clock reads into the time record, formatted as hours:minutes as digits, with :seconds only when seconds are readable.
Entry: 6:54
